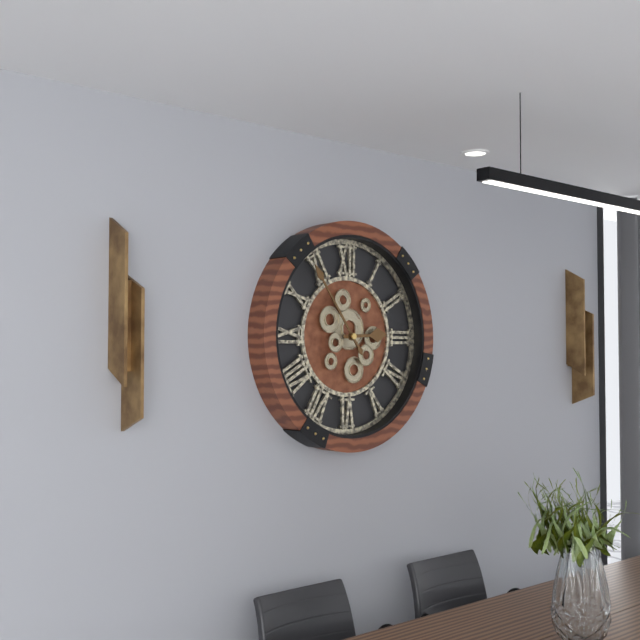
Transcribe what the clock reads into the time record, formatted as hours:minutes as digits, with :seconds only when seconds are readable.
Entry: 2:54
